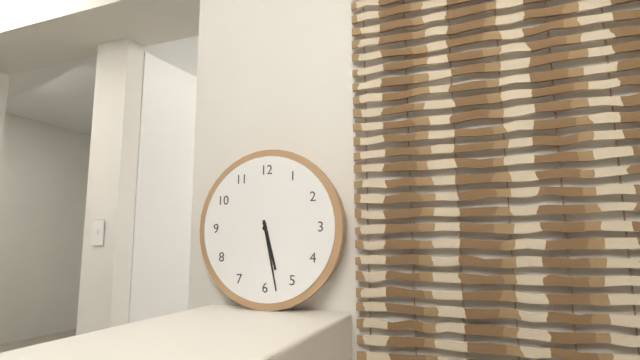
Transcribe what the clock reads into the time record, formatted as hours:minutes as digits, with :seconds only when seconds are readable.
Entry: 5:28
